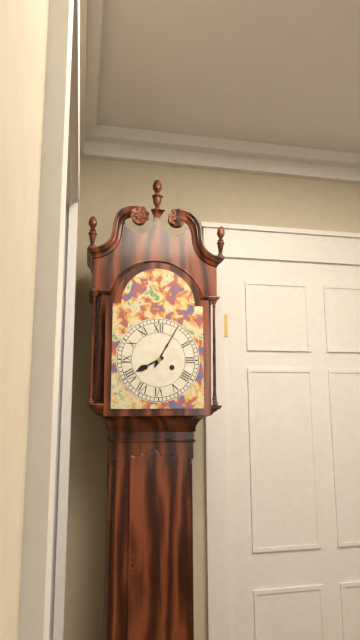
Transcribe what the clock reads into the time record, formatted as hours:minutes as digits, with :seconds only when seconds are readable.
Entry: 8:05
